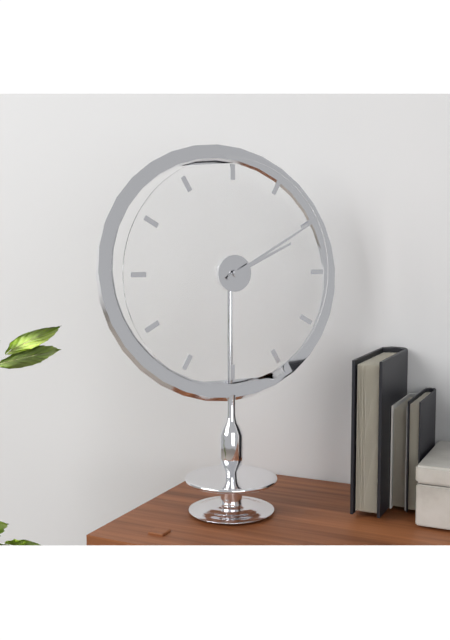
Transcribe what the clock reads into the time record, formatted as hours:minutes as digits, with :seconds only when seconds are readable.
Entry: 2:10
